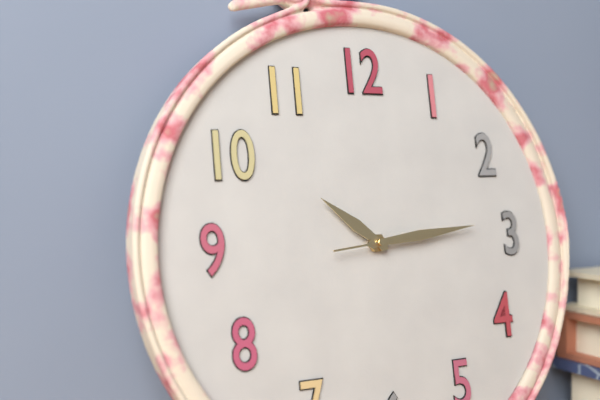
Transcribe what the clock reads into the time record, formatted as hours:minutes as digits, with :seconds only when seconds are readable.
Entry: 10:14:14
